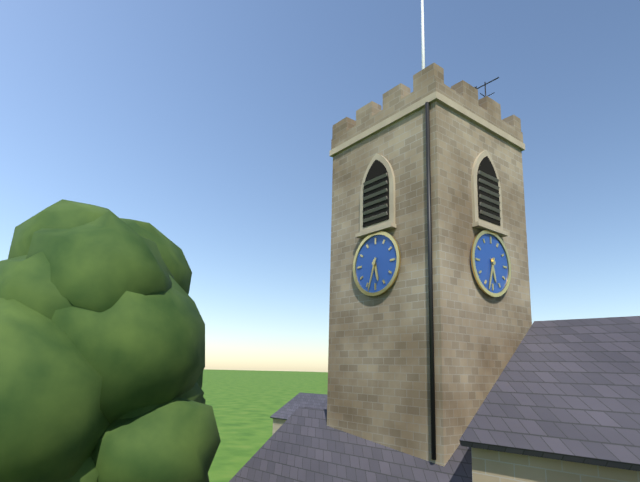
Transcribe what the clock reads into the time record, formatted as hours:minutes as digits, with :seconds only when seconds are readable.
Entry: 5:33
